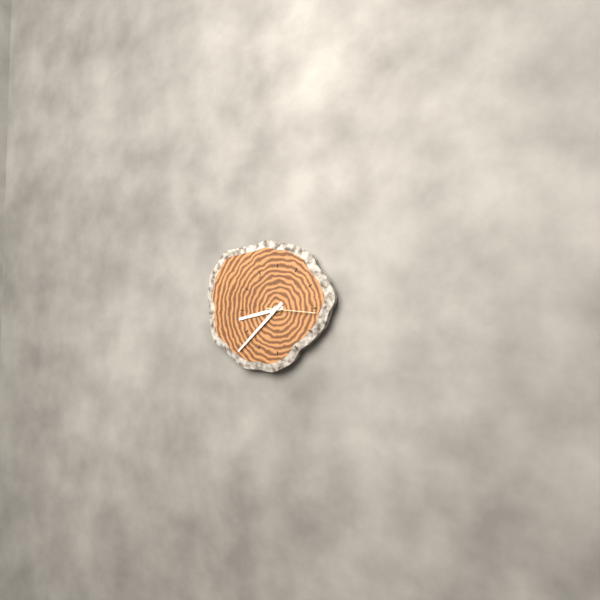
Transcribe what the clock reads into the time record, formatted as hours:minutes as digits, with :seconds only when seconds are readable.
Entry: 8:38
